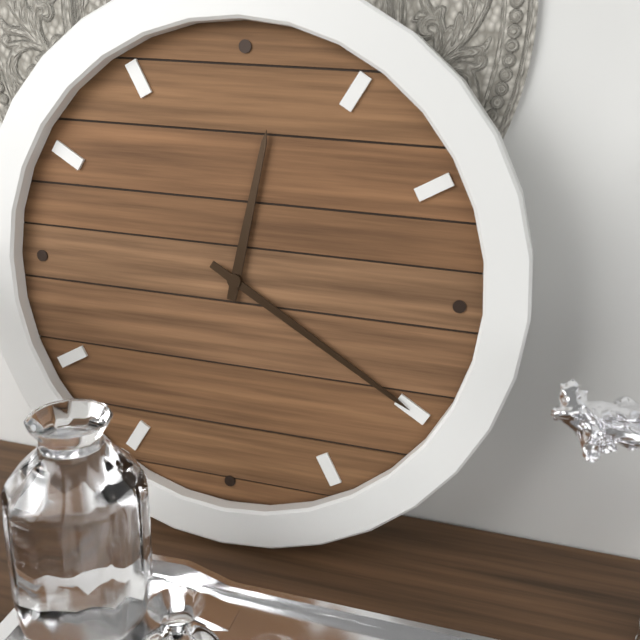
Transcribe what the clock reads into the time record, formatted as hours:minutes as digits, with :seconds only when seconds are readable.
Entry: 12:20
